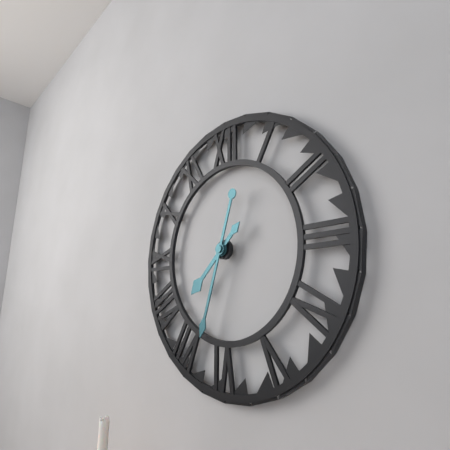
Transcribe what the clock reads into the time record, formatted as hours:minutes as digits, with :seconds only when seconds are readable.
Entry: 7:33
